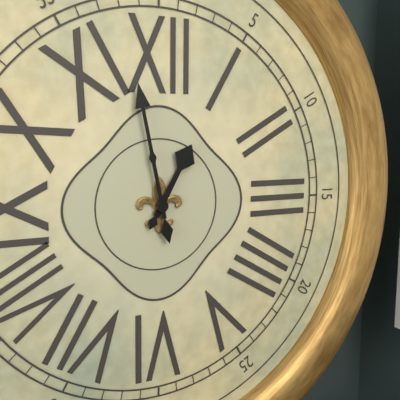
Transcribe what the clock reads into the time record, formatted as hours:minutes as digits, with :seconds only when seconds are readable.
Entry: 12:58
